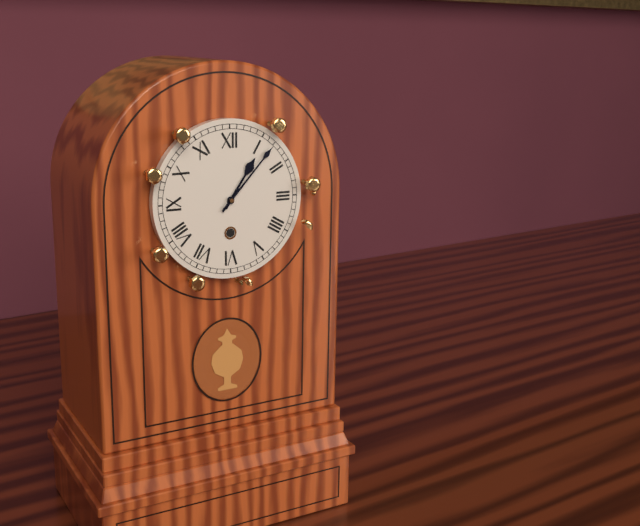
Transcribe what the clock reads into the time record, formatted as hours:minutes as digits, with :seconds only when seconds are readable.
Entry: 1:07
